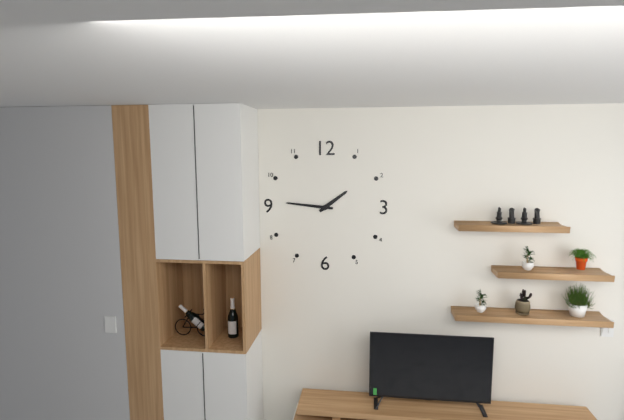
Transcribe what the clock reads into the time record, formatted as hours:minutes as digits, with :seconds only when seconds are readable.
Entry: 1:46
